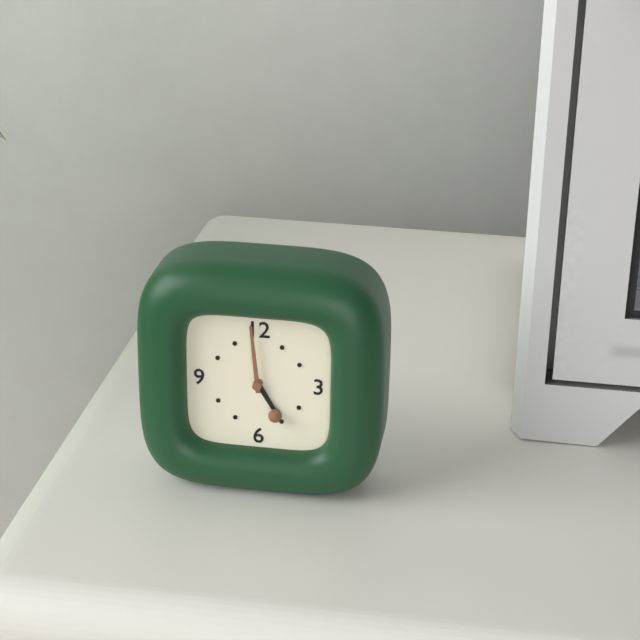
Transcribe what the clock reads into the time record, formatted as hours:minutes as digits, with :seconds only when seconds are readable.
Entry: 4:59
